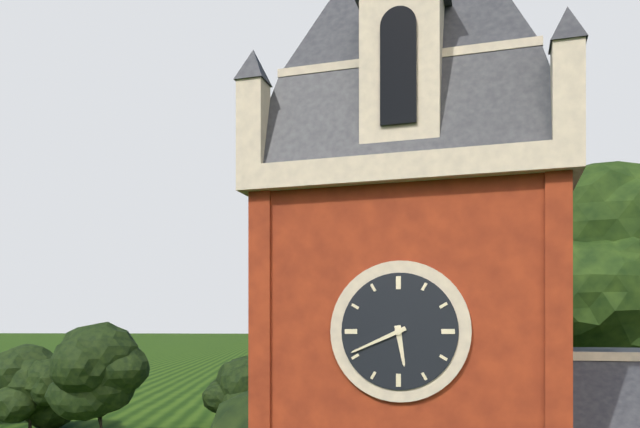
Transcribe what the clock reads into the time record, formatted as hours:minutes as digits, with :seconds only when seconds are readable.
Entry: 5:41
